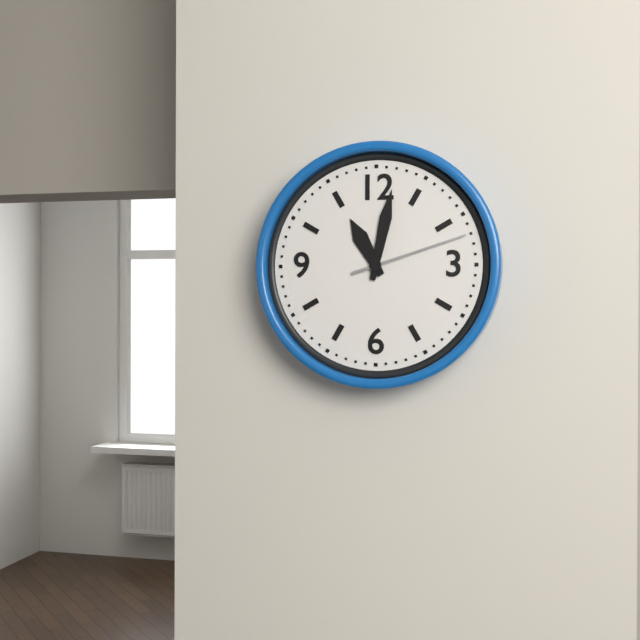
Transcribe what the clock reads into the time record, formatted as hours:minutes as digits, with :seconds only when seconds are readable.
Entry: 11:02:12
